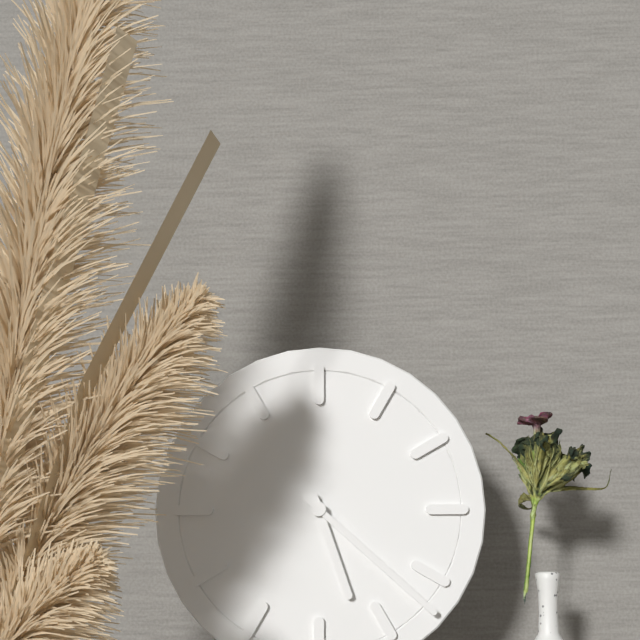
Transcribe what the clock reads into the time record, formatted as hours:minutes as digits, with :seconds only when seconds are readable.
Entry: 5:22
